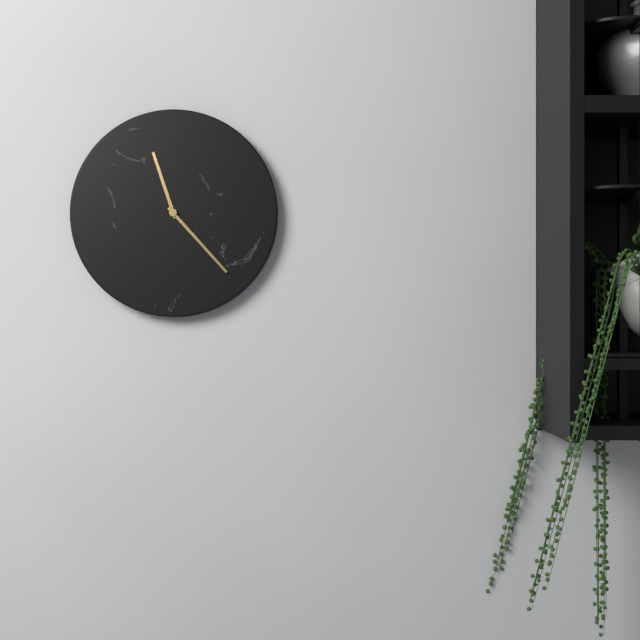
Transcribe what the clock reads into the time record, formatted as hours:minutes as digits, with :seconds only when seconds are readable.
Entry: 11:23
